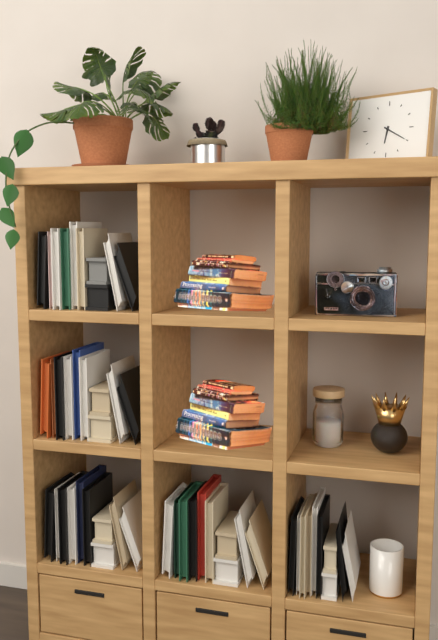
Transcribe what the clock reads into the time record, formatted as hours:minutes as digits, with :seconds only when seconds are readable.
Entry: 6:20
